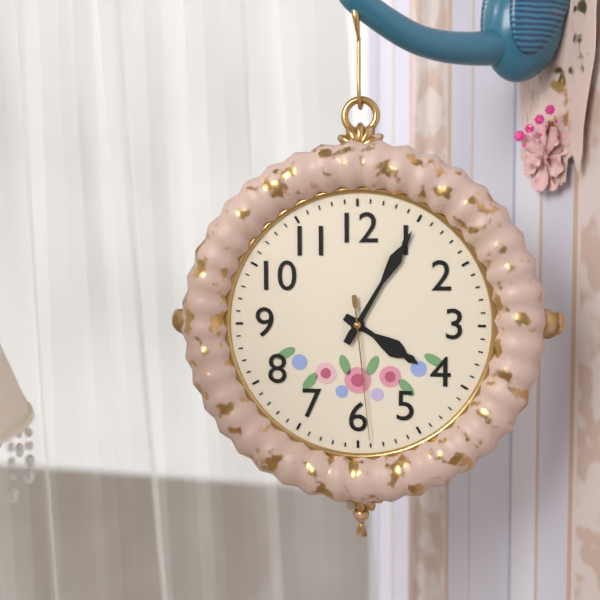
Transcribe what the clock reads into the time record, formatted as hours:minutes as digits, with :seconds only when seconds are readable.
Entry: 4:05:29
